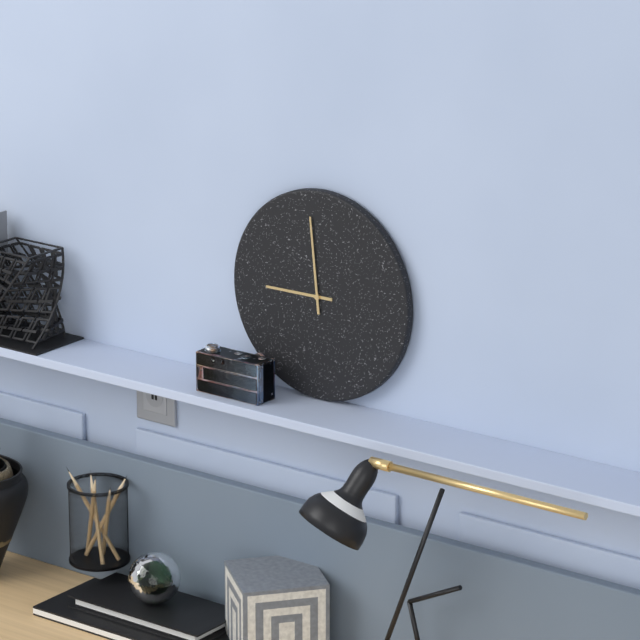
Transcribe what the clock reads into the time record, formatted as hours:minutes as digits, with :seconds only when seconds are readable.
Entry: 8:59
